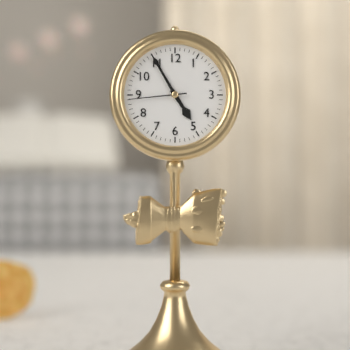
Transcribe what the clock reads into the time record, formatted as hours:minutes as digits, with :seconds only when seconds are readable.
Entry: 4:55:44
